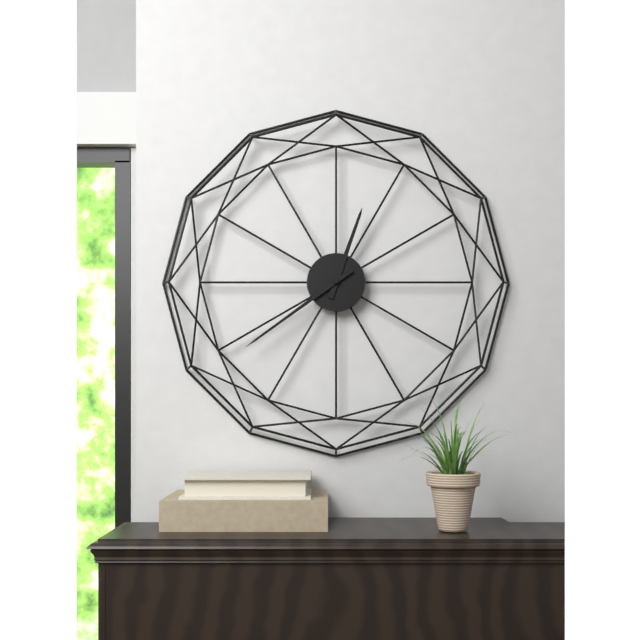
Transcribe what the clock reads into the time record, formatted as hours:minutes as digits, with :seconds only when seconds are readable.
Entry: 12:39
